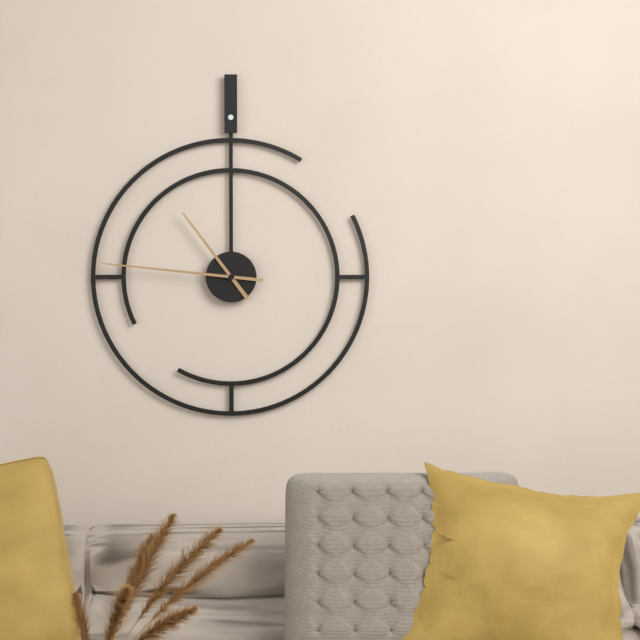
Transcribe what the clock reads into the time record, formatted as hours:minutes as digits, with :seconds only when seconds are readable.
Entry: 10:46
